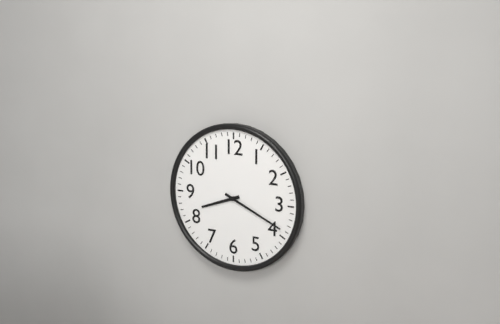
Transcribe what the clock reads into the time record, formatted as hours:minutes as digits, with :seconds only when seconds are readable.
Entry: 8:19
